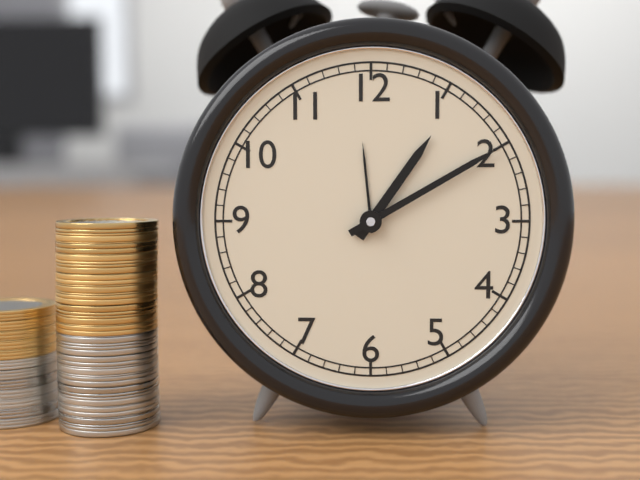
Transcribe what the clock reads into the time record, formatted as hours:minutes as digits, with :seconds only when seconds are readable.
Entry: 1:10
